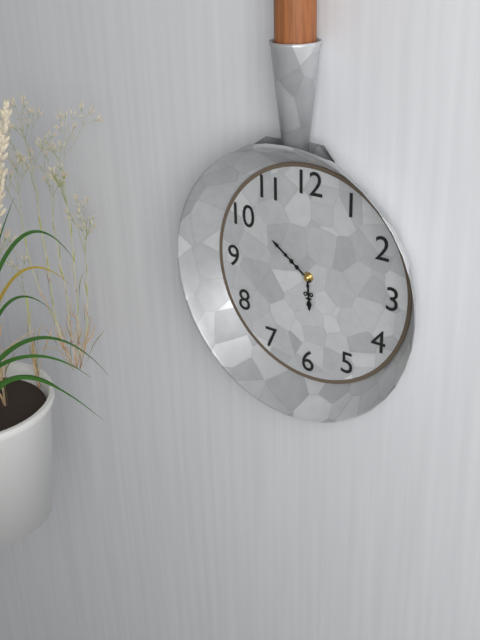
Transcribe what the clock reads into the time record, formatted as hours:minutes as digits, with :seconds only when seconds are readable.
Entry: 5:51
